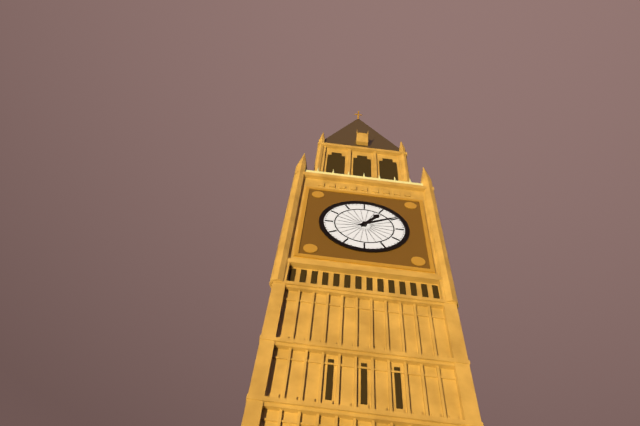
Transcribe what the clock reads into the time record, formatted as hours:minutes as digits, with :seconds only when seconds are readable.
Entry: 1:10
